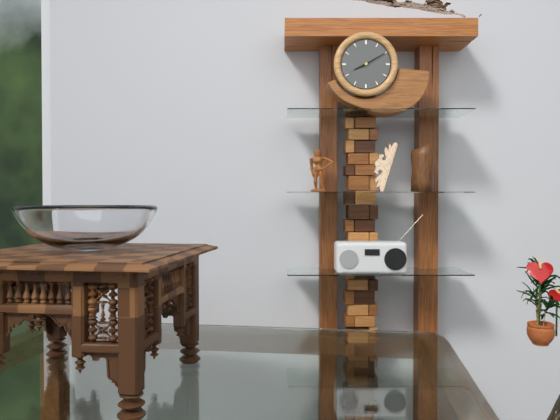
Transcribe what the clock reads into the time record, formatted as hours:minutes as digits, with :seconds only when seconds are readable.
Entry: 8:10
